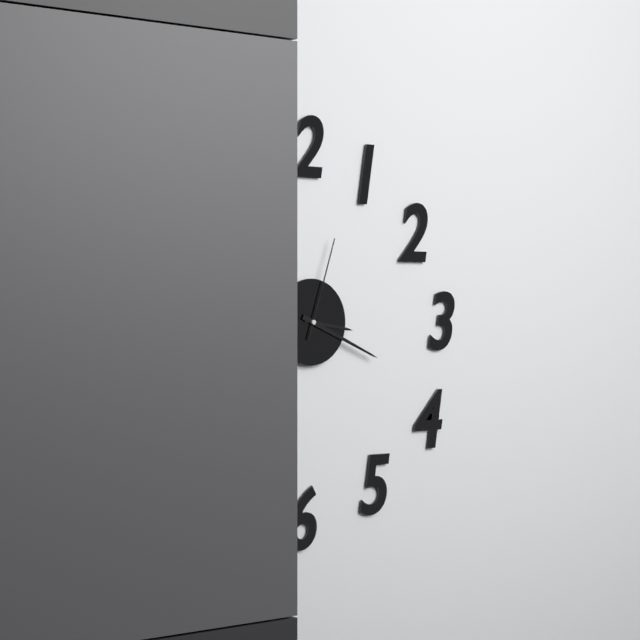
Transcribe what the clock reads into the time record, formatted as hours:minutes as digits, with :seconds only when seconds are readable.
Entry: 3:19:03
